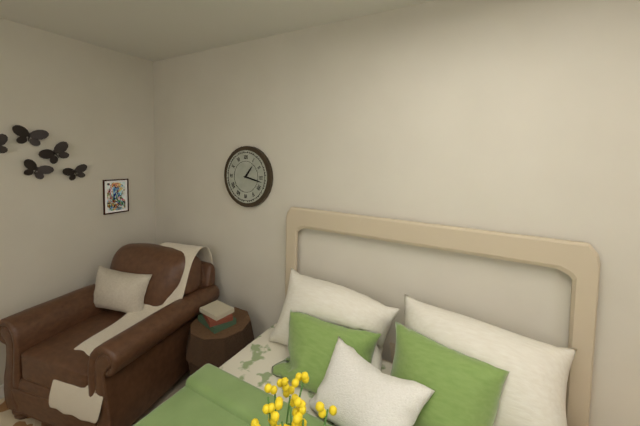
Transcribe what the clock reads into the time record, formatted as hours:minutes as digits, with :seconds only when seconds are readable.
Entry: 1:17
